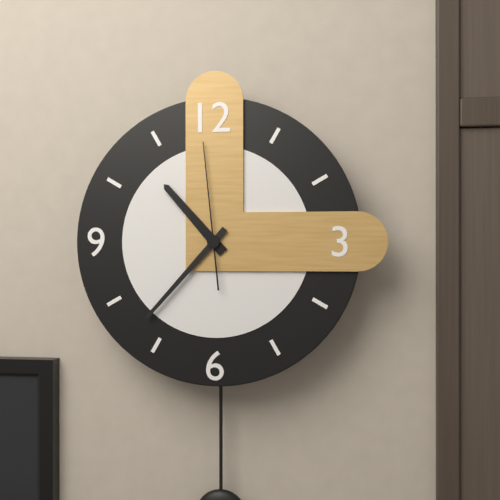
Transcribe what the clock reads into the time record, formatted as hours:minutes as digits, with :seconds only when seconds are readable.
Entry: 10:37:59
